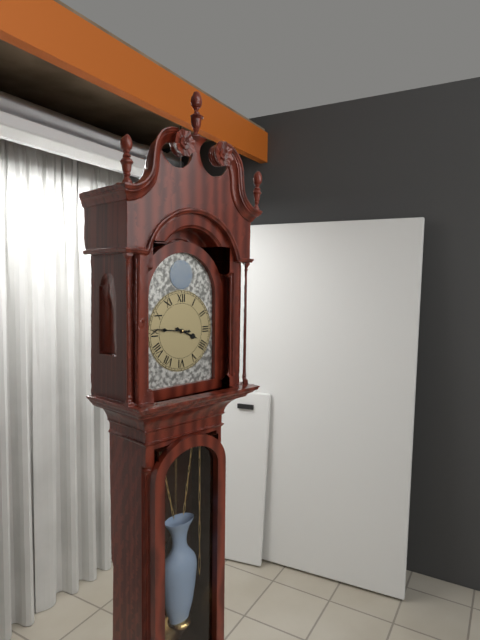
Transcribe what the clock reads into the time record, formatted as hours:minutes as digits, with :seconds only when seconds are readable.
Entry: 3:46
